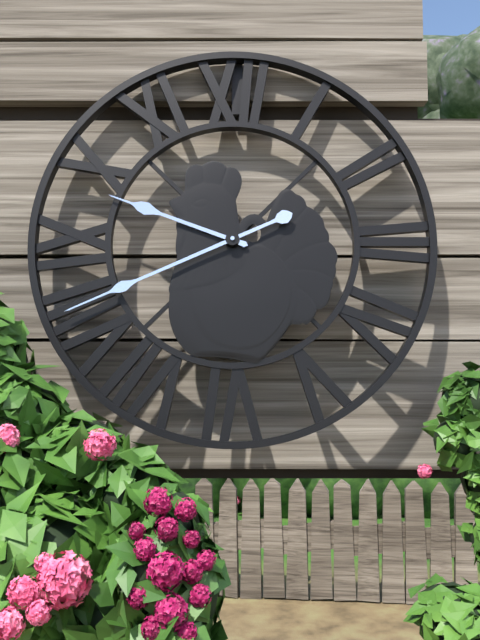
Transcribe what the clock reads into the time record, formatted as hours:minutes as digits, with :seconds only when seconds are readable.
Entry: 9:41
